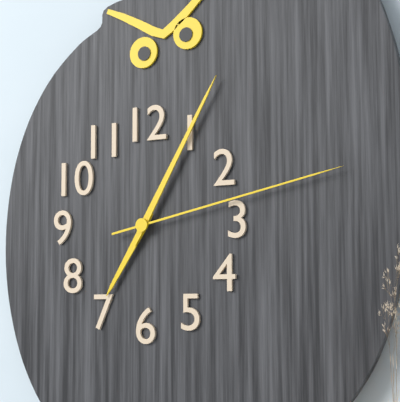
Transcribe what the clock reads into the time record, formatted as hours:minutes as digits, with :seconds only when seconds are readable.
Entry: 7:05:13
